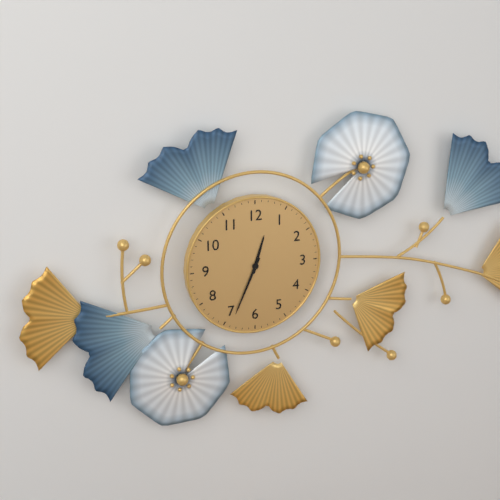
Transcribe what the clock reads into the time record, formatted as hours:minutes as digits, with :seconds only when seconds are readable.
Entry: 12:34
